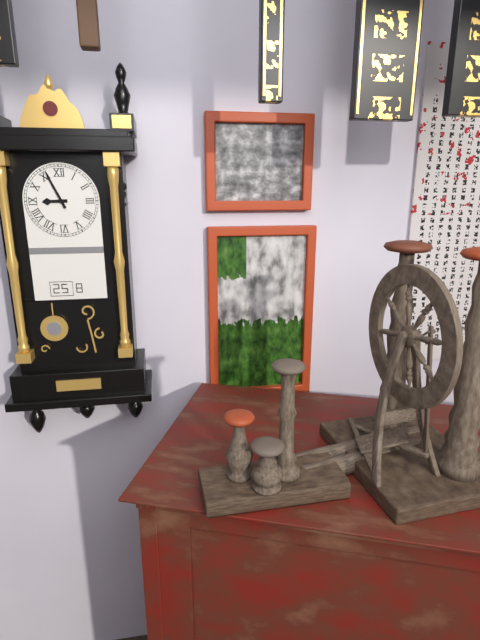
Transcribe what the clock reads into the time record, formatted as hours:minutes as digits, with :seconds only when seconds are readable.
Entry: 8:56
